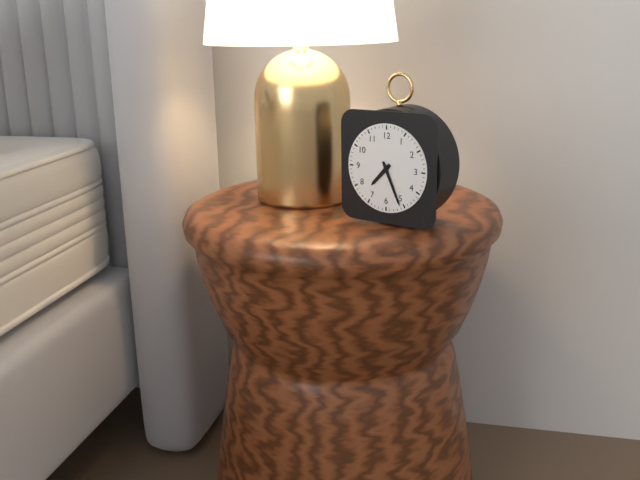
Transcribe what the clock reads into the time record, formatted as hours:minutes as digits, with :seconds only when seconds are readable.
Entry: 7:26
